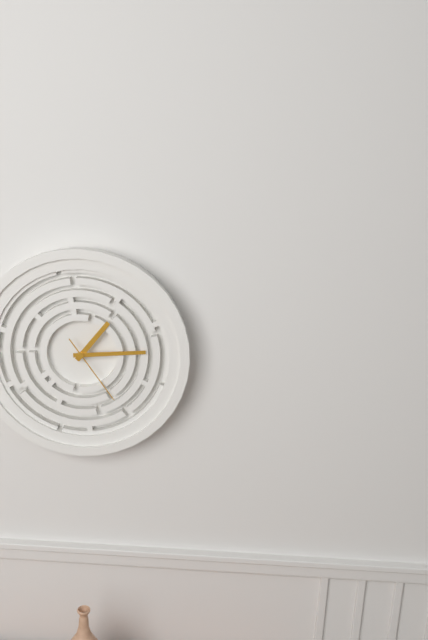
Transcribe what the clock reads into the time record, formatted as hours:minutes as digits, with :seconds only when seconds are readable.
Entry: 1:14:24
